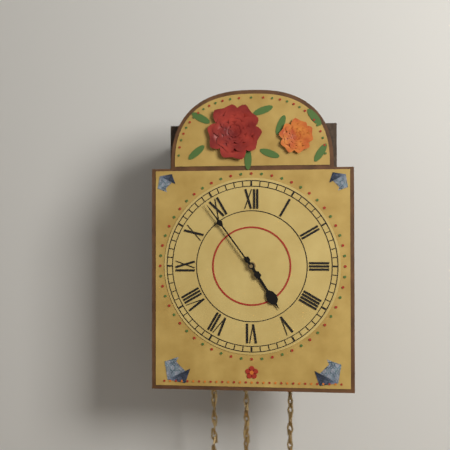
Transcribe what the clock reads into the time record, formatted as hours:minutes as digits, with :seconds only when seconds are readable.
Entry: 4:54
